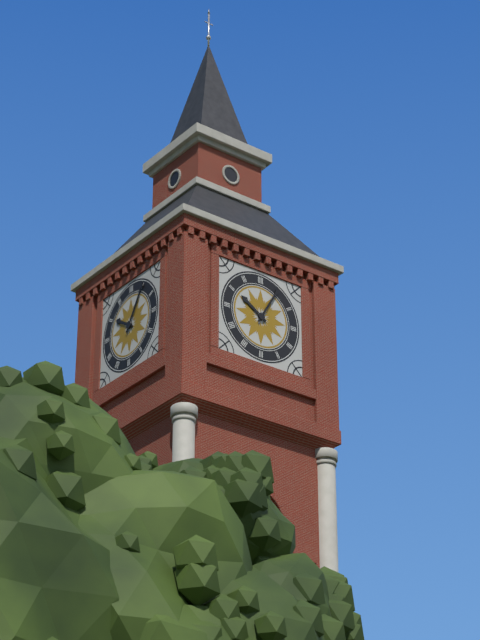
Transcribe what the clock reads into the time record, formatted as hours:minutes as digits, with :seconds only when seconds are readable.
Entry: 10:05
